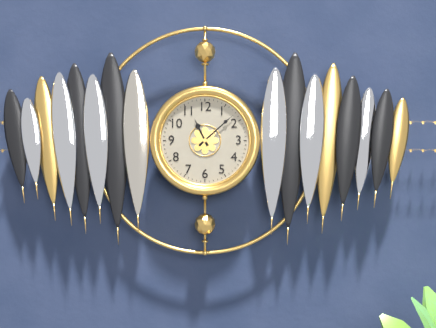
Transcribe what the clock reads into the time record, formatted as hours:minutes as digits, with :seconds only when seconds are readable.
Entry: 11:08
